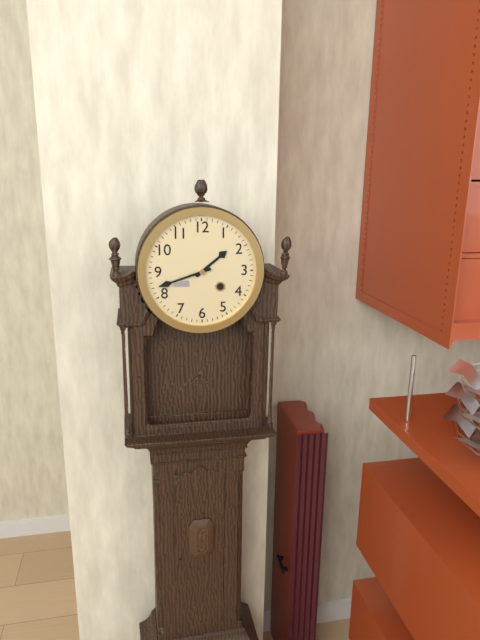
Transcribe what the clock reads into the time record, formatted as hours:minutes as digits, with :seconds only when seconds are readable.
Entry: 1:42
